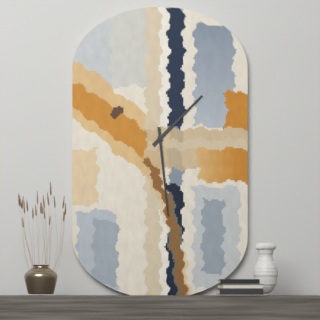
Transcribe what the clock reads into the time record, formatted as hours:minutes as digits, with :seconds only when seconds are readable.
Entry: 1:29
